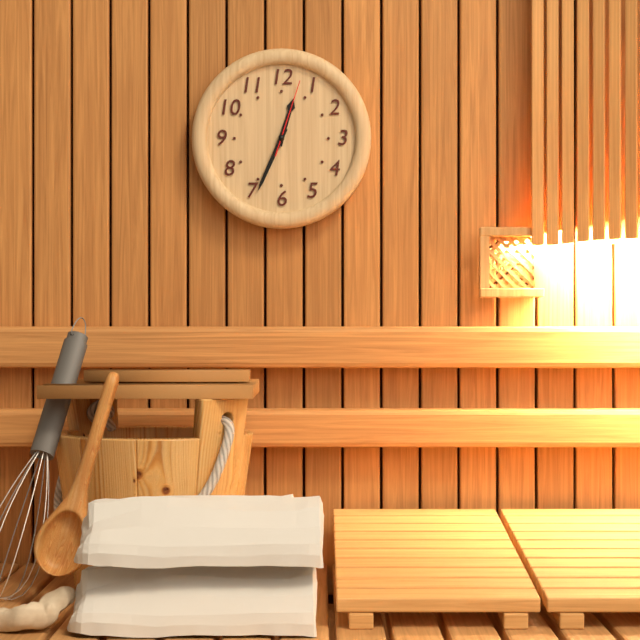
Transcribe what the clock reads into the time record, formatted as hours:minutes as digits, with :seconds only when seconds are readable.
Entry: 12:34:03
